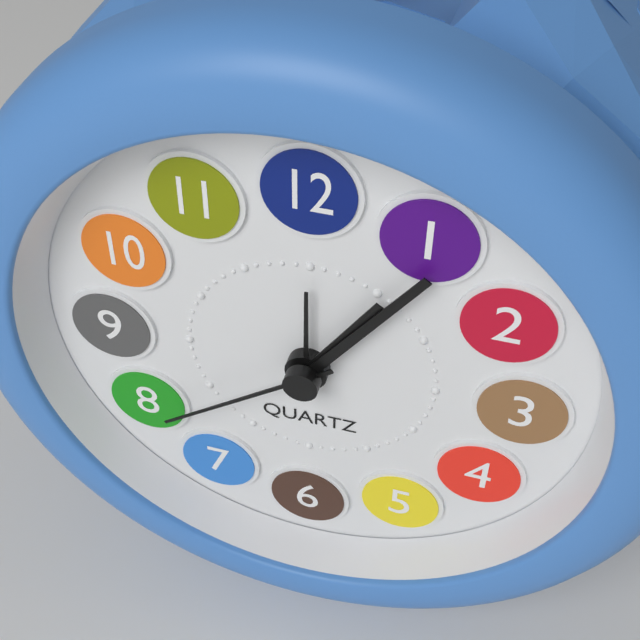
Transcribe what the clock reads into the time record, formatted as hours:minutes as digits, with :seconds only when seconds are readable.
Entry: 1:06:39
